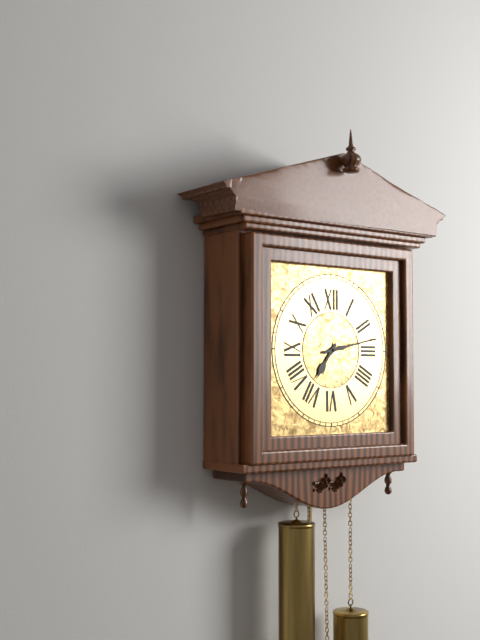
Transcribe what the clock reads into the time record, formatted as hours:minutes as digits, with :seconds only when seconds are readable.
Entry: 7:13
